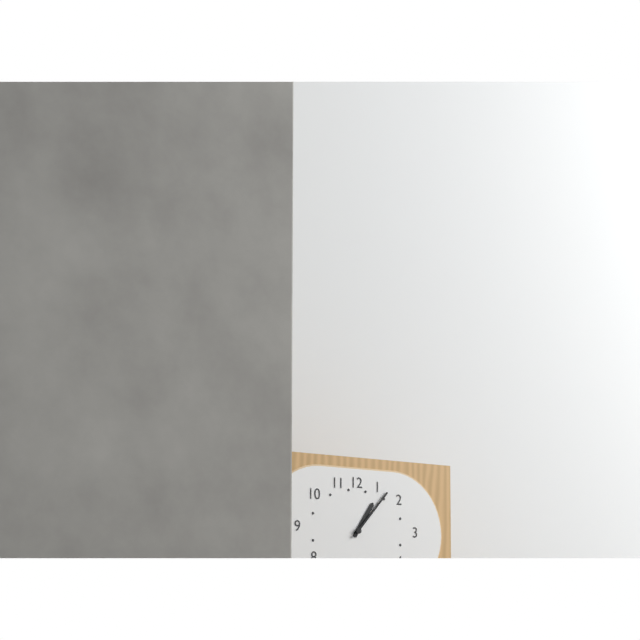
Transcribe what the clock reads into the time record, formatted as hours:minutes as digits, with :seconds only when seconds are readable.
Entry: 1:07
